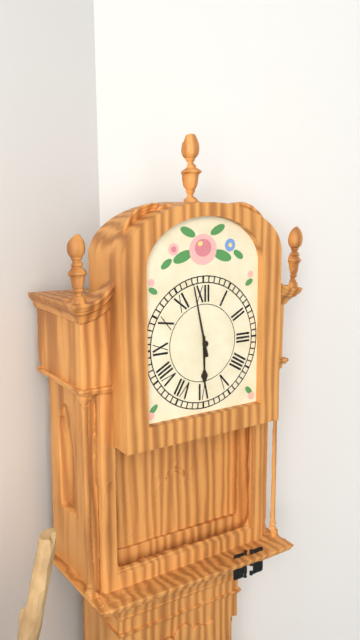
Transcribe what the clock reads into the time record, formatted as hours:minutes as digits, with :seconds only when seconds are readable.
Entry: 5:58
